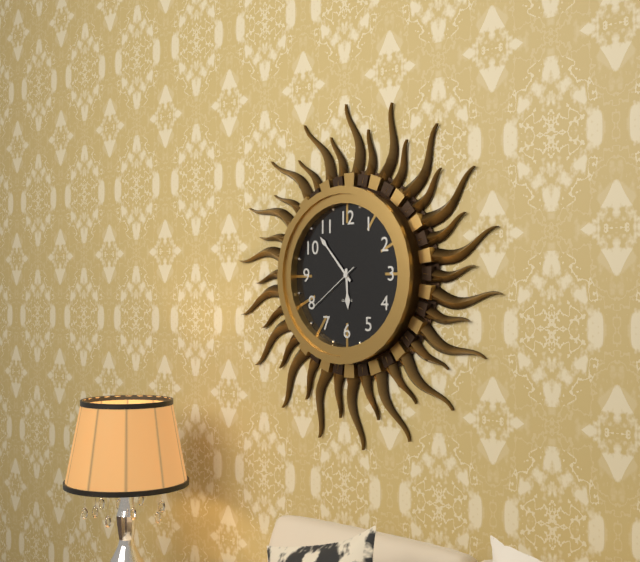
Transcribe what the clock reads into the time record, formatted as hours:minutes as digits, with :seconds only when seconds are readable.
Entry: 5:53:39
